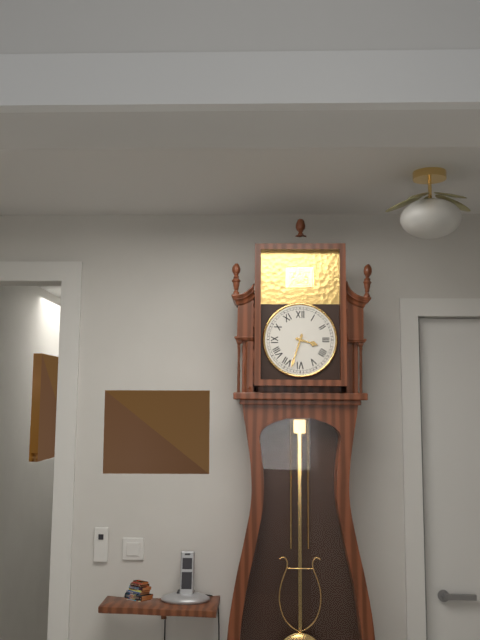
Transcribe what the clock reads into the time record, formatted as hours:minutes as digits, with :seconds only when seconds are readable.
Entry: 3:33
